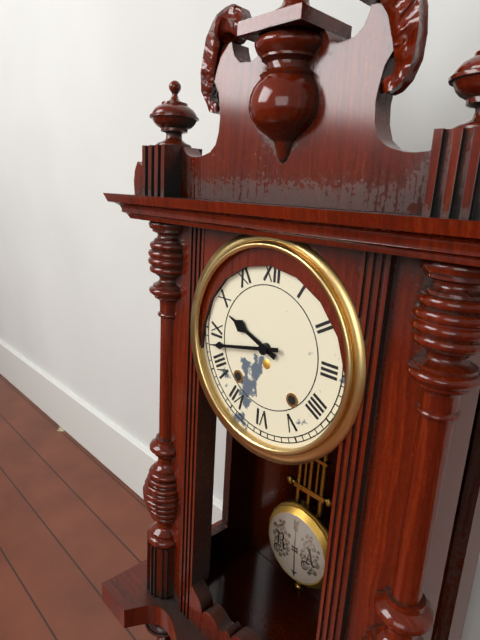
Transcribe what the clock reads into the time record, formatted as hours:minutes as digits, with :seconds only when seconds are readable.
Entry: 9:43
